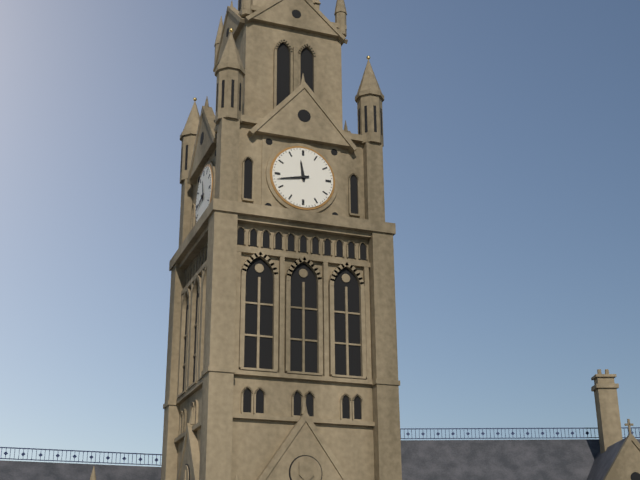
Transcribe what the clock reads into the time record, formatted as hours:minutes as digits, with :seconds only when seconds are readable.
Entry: 11:43
